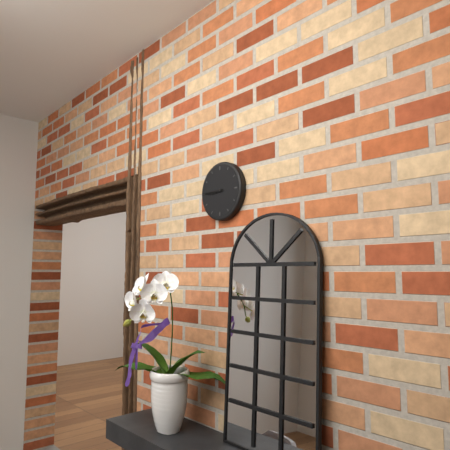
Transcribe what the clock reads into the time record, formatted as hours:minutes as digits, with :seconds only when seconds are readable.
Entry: 8:45
